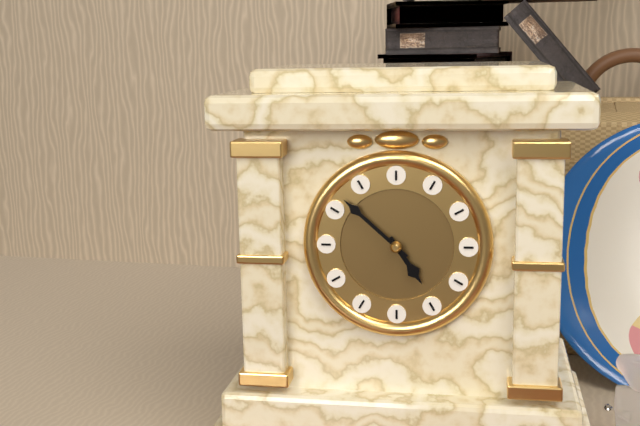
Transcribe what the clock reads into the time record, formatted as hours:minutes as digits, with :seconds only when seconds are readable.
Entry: 4:52
